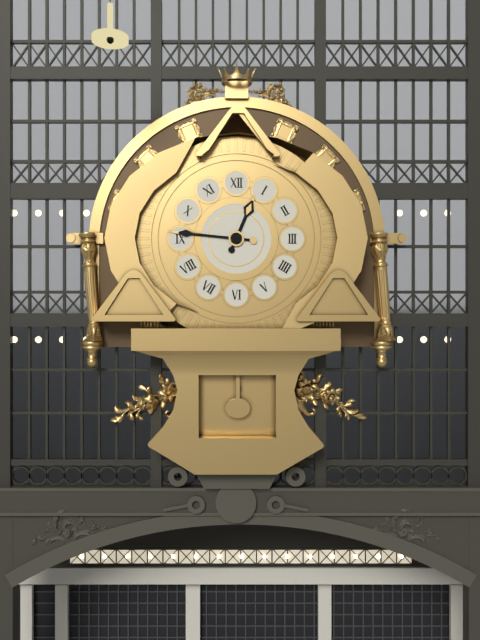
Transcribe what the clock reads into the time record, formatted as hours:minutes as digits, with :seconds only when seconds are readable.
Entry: 12:46
